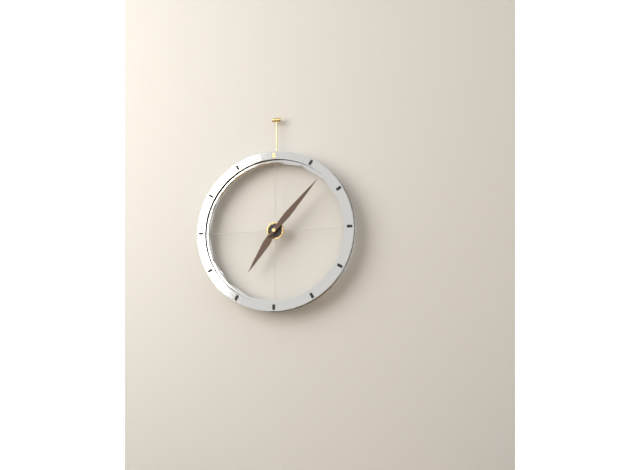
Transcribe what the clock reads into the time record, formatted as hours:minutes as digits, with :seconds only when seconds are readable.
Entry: 7:07
